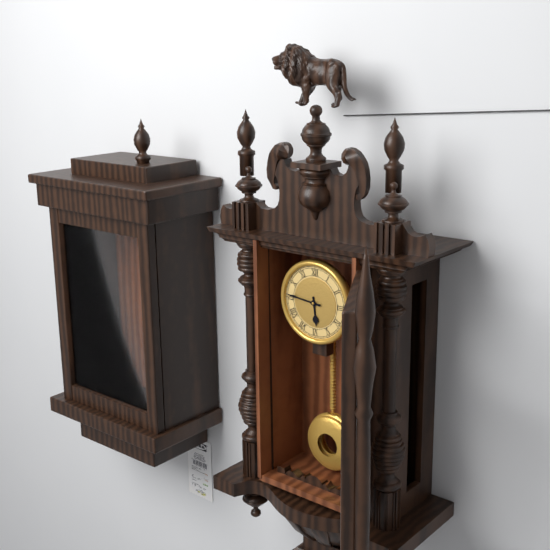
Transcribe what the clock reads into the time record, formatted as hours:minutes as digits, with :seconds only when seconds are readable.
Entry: 5:46
